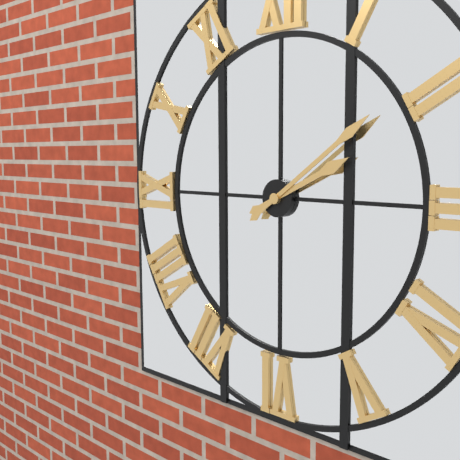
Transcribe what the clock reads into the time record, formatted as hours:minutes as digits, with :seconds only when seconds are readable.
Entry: 2:09
